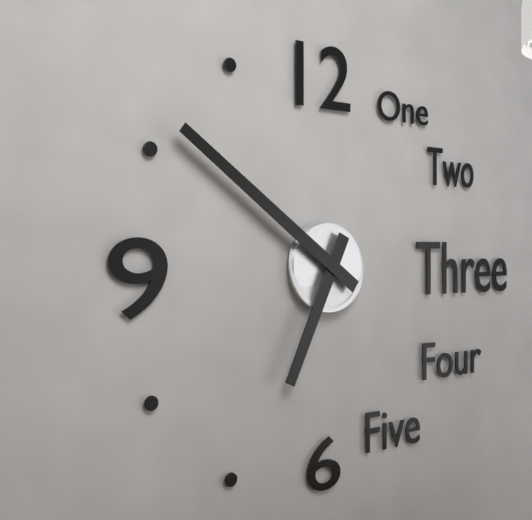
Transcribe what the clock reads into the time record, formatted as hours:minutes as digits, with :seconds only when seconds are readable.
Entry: 6:51
